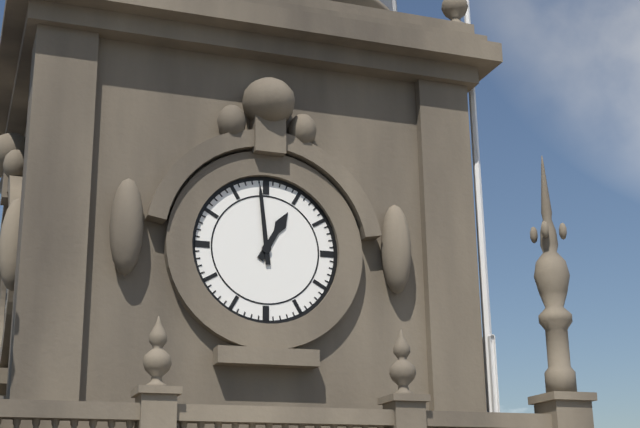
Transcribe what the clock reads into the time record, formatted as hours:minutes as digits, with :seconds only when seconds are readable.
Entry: 12:59
